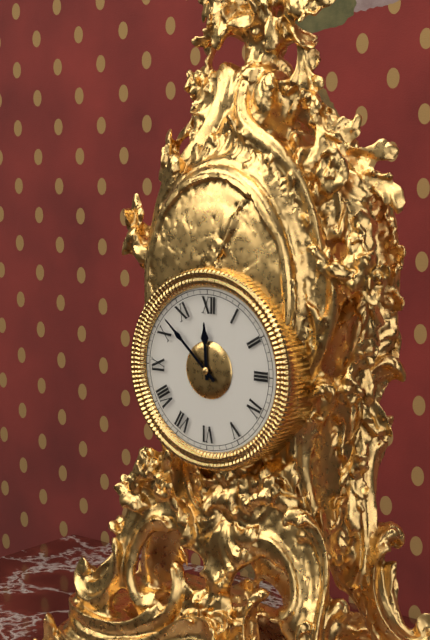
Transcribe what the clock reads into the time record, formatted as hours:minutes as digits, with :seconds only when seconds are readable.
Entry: 11:52
